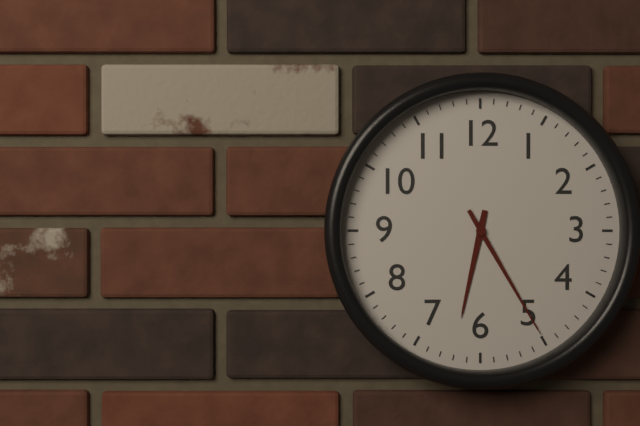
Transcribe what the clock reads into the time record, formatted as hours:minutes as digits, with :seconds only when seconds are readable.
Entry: 6:25
